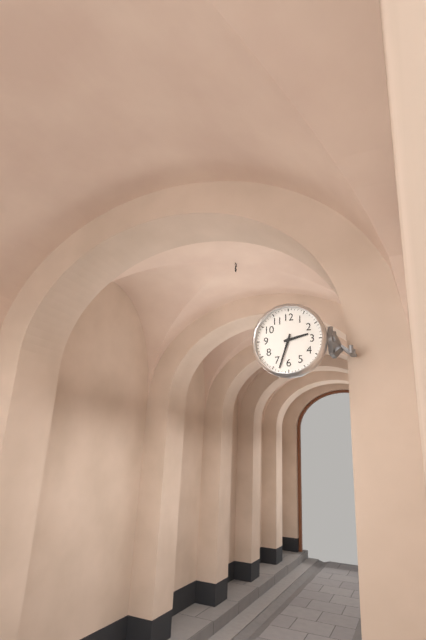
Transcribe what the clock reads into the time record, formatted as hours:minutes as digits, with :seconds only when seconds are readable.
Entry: 2:33
